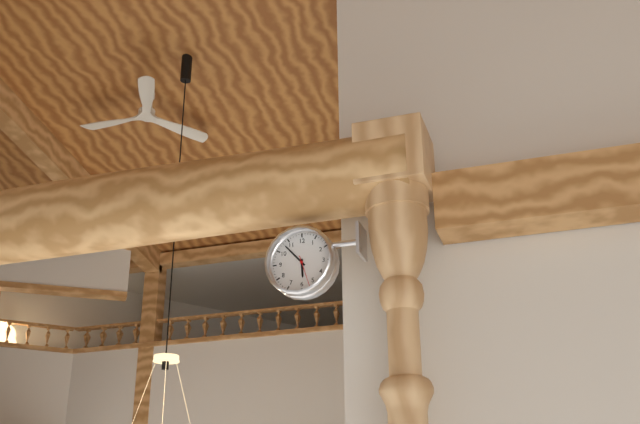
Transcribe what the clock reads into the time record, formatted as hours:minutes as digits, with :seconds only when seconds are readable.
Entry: 5:53
